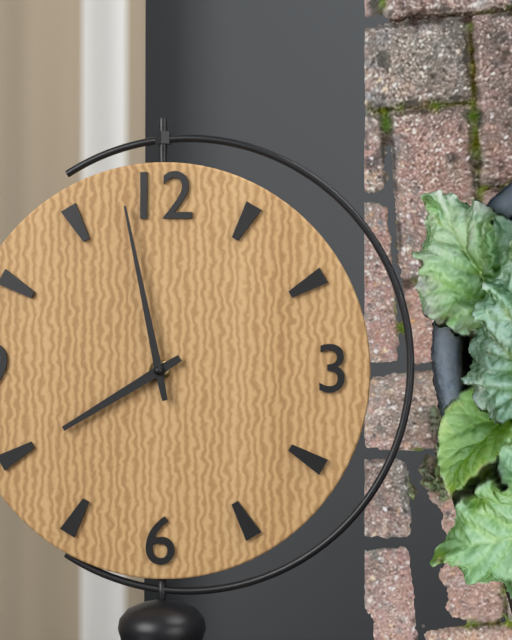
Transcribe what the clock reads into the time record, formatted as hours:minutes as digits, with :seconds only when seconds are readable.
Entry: 7:58
